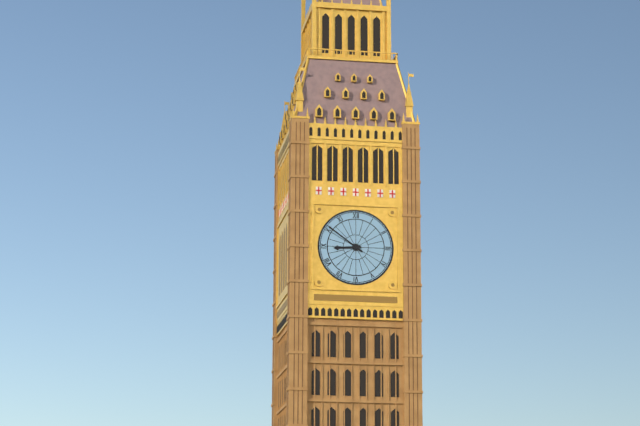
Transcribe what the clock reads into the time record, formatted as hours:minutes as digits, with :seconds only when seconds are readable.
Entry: 8:51
